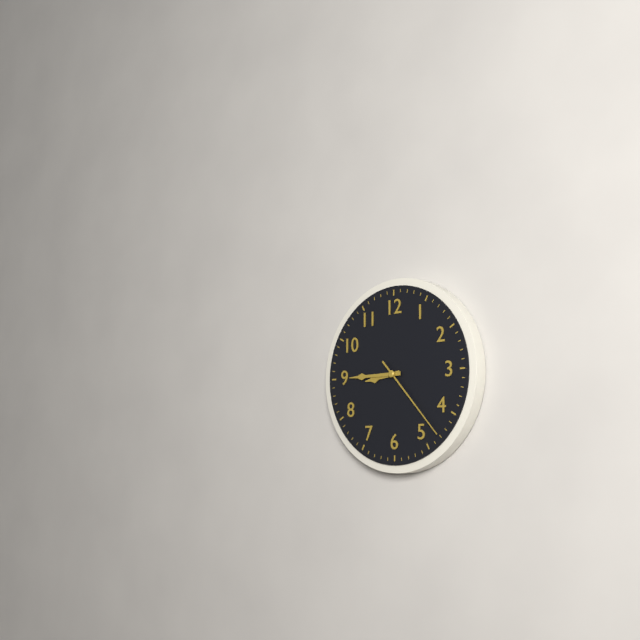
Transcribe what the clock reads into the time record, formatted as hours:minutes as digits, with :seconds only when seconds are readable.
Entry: 8:45:23
